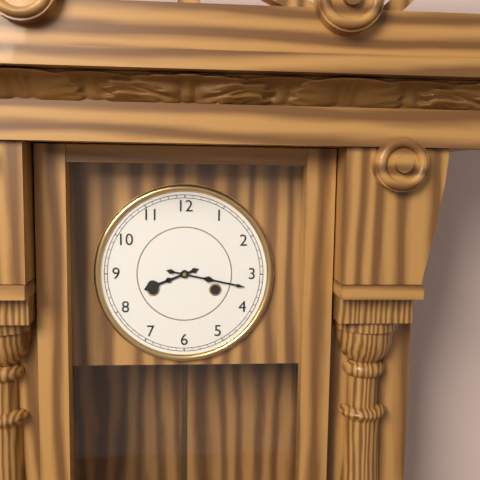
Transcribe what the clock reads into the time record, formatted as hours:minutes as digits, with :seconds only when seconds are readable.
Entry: 8:17
